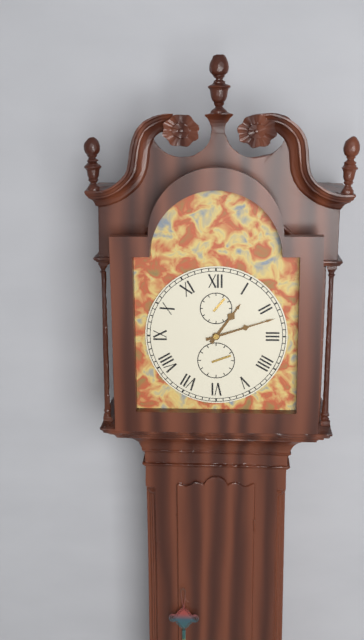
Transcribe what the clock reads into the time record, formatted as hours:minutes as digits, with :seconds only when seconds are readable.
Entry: 1:12
